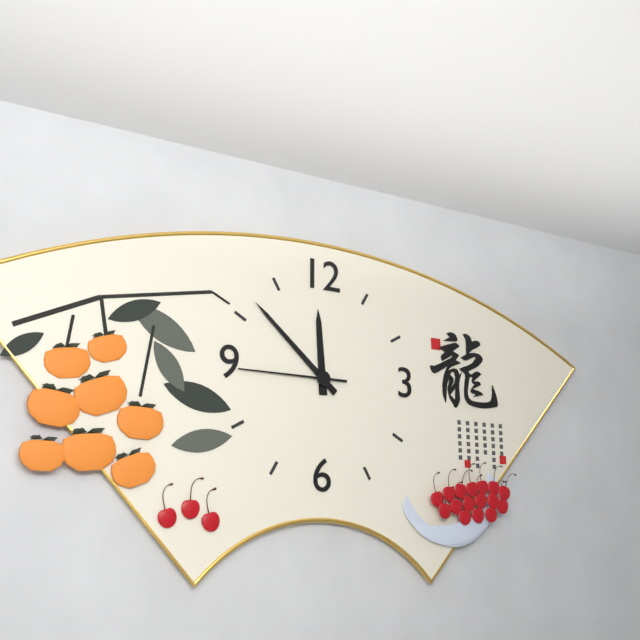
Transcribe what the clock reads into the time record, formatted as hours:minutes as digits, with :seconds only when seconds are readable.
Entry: 11:52:45
